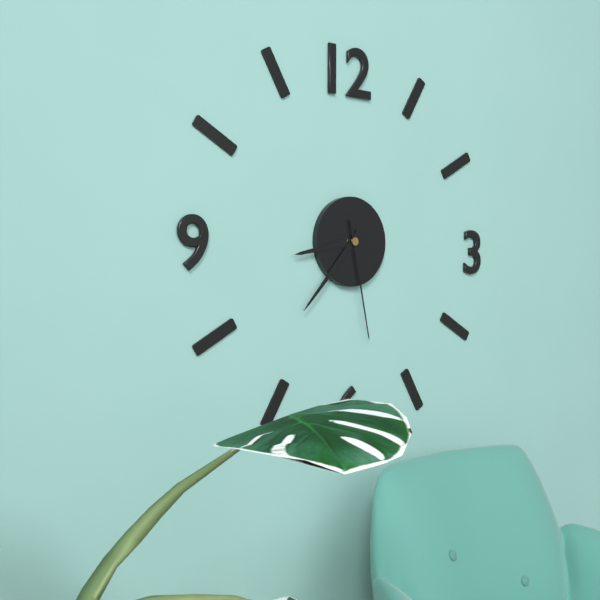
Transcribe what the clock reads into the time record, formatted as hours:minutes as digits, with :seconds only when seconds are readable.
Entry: 8:37:28
